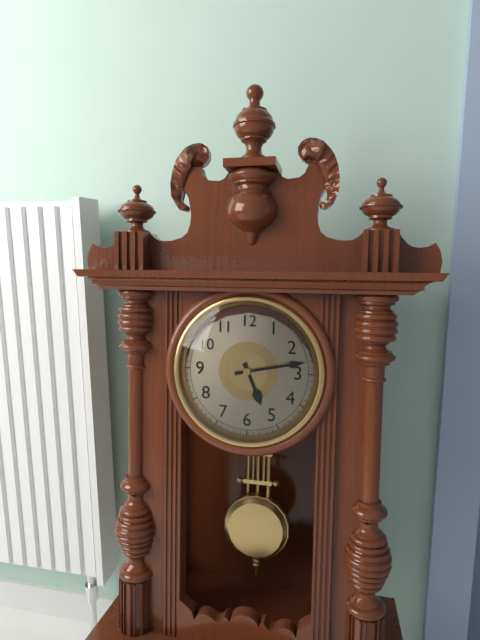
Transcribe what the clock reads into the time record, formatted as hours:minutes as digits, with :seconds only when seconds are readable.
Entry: 5:13
